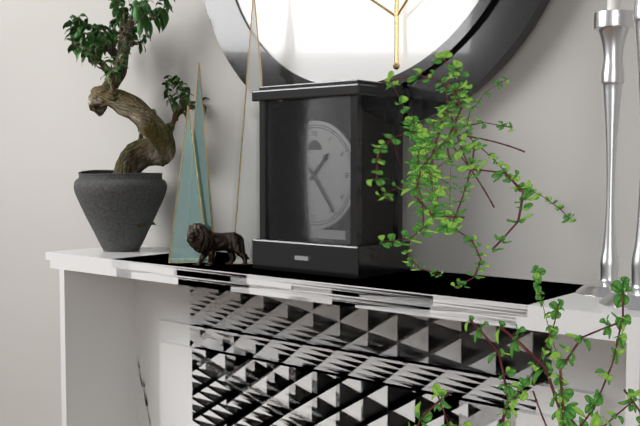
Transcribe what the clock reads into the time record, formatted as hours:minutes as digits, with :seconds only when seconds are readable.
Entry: 1:24
